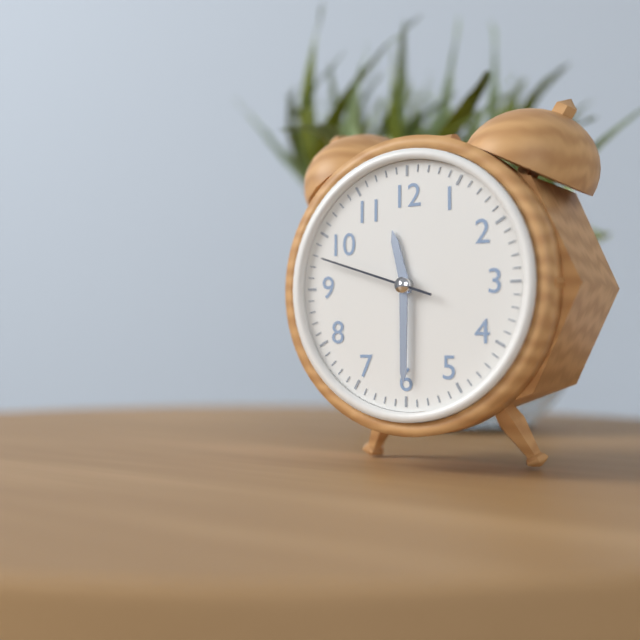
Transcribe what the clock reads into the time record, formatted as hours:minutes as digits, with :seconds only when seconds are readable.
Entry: 11:30:48
